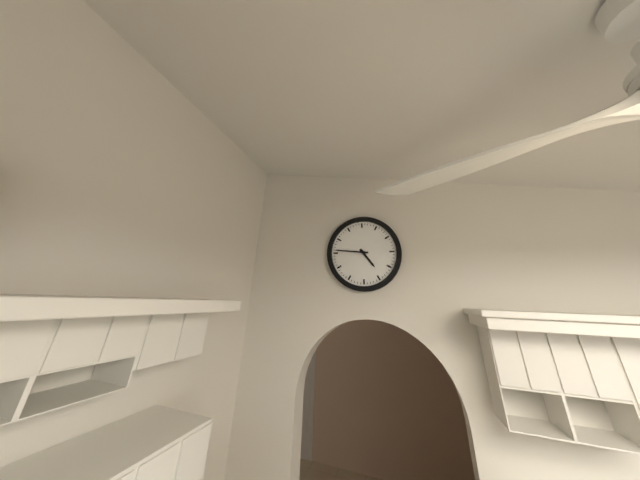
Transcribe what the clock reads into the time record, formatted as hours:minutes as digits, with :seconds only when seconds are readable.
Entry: 4:46
